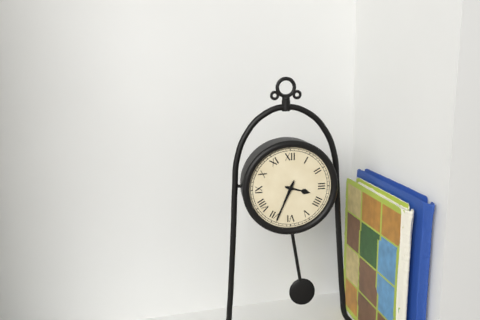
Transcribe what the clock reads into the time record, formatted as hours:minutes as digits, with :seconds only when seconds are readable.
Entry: 3:34
